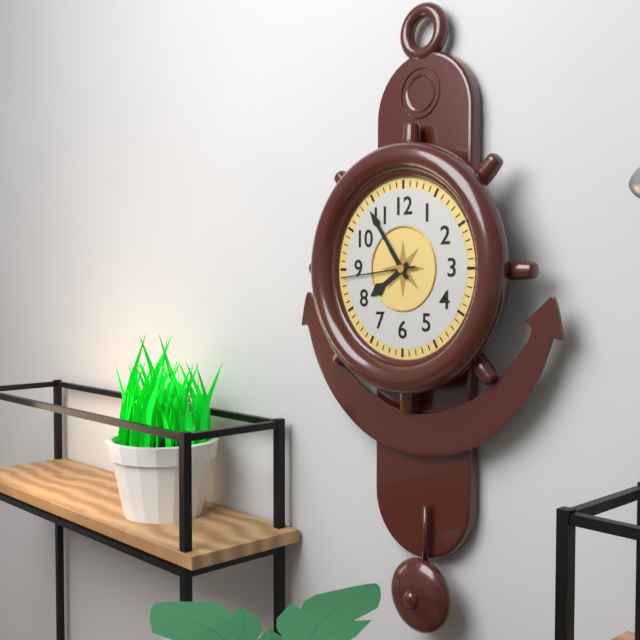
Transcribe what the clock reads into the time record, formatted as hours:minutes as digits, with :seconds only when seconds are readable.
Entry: 7:54:44
